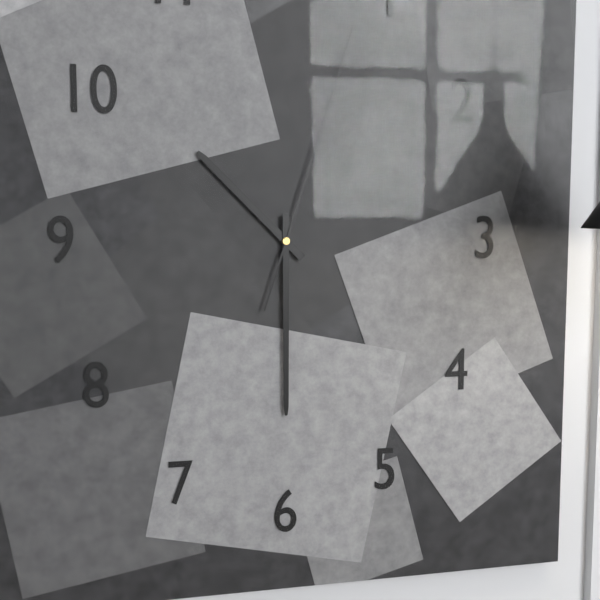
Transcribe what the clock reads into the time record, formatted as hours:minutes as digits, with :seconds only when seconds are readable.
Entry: 10:30:03
